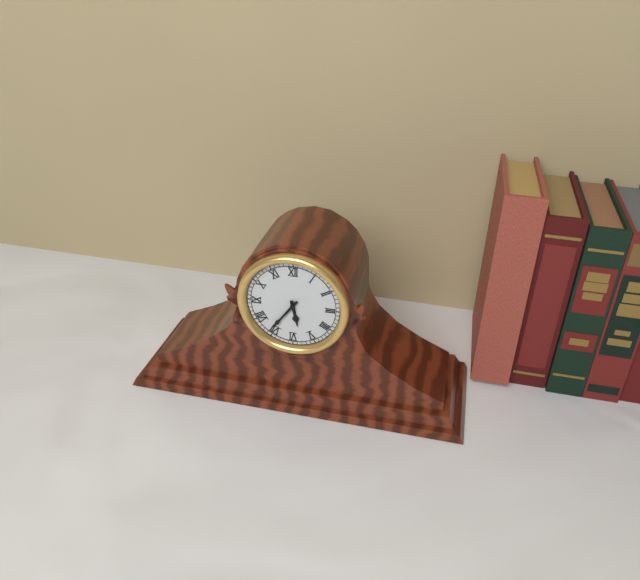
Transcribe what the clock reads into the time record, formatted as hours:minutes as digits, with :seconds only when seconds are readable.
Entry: 5:36
